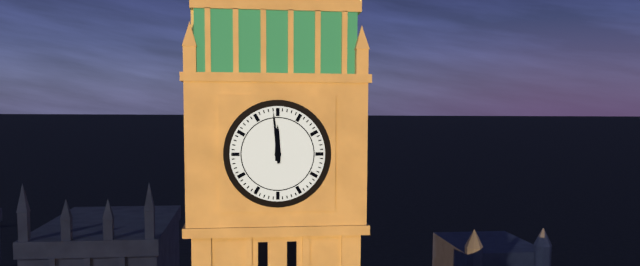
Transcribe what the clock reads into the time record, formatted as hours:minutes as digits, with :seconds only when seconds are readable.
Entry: 11:59
